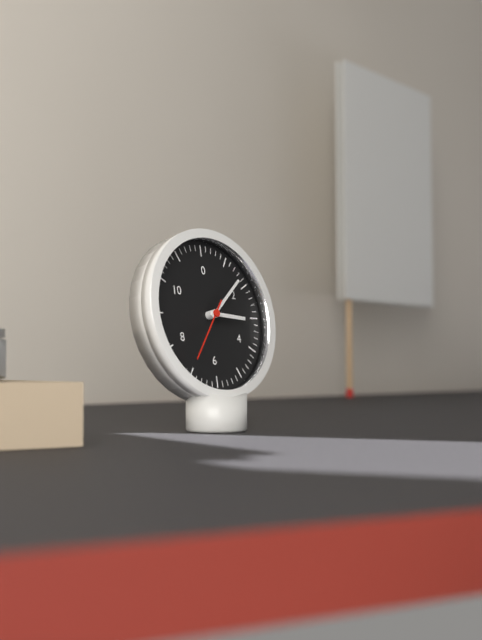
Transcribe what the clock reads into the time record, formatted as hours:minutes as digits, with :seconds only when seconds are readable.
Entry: 3:08:36
